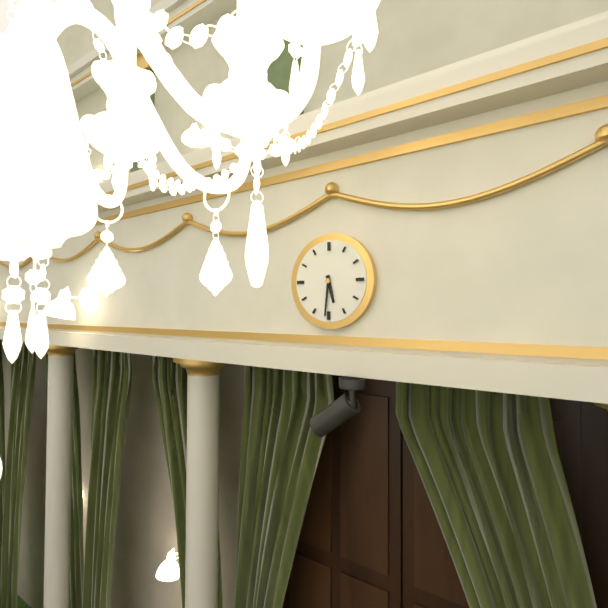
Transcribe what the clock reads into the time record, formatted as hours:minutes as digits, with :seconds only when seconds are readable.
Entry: 5:31
